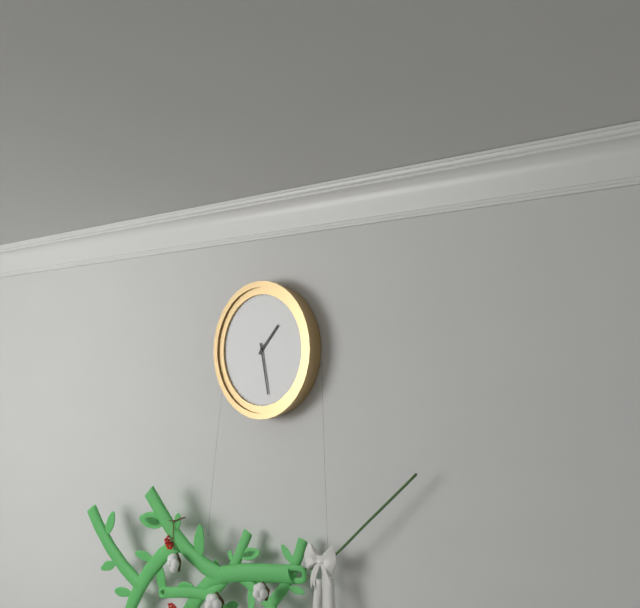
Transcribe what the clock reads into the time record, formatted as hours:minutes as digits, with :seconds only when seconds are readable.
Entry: 1:28
